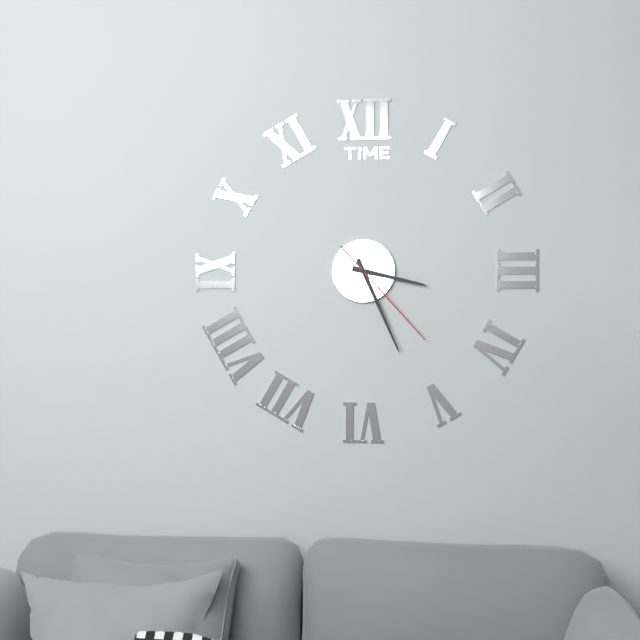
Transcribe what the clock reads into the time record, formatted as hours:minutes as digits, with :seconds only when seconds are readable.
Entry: 3:26:23
